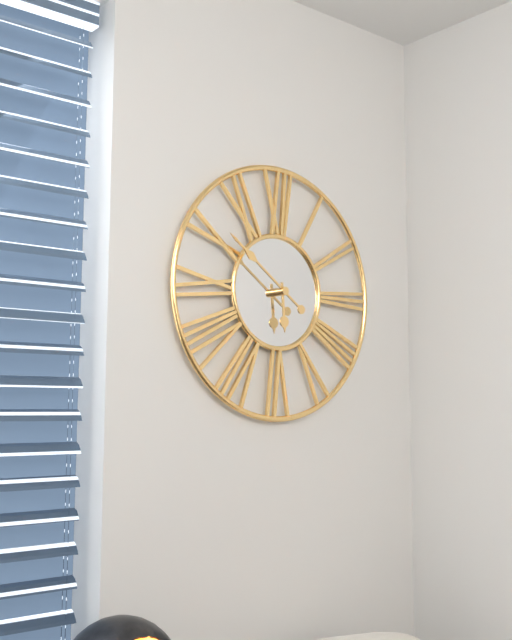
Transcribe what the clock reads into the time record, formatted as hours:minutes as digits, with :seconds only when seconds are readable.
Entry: 5:51
